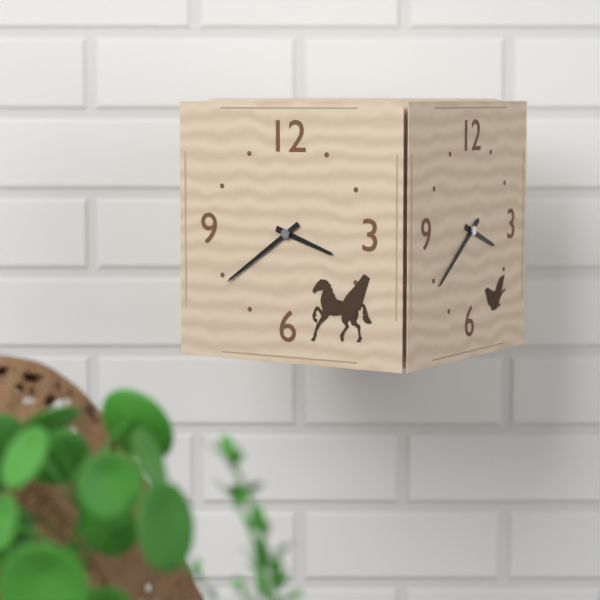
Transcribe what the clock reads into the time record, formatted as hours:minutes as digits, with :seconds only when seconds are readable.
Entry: 3:39
